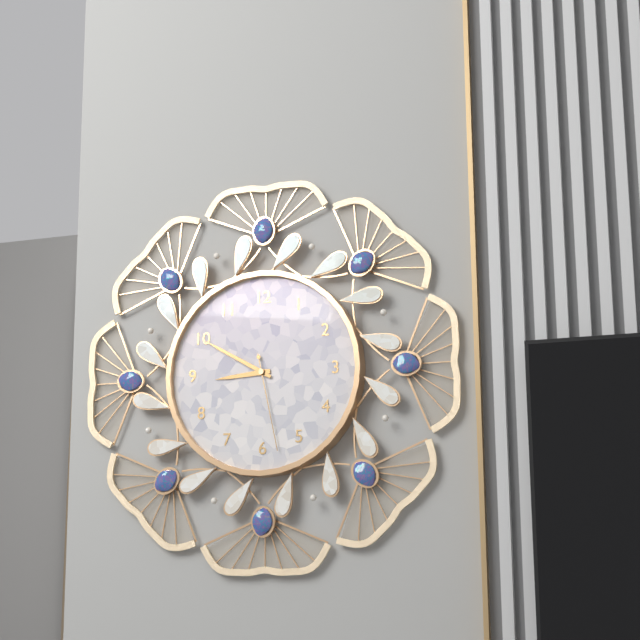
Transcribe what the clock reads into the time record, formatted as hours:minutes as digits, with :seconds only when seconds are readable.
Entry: 8:50:28
